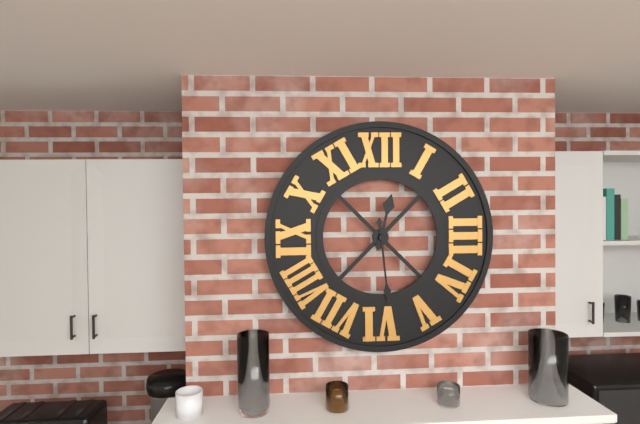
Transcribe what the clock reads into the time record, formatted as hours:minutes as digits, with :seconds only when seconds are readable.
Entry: 12:29
